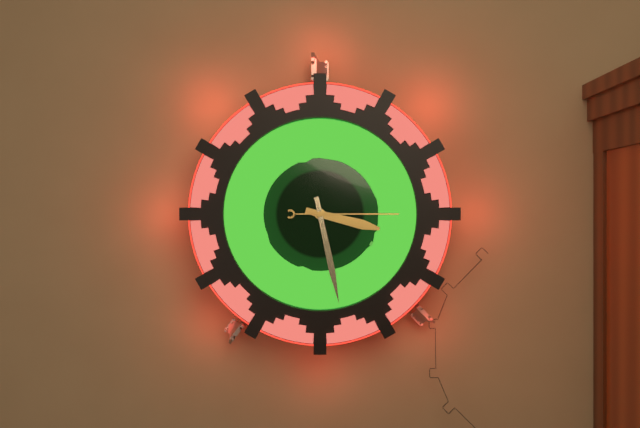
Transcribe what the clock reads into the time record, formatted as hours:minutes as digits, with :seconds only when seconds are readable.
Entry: 3:28:15
